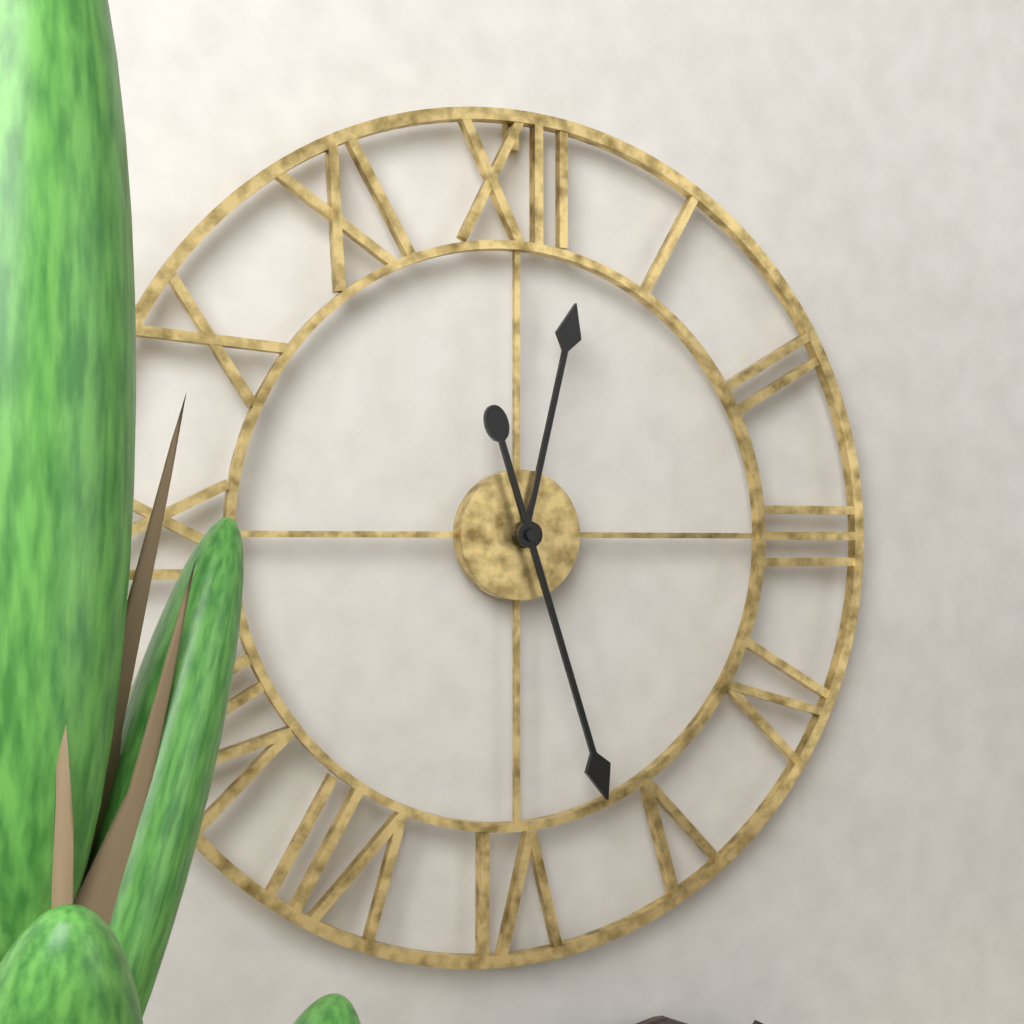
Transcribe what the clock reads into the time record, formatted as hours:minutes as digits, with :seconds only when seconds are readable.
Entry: 12:27
